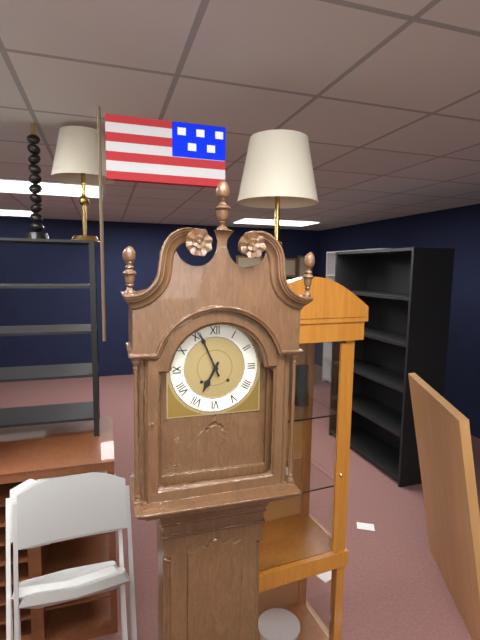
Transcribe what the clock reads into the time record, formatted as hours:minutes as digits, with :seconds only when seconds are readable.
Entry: 6:56
